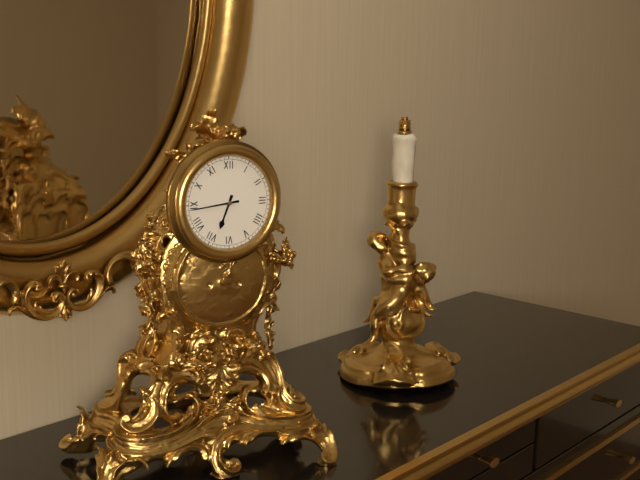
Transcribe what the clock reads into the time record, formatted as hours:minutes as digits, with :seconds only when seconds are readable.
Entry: 6:44
